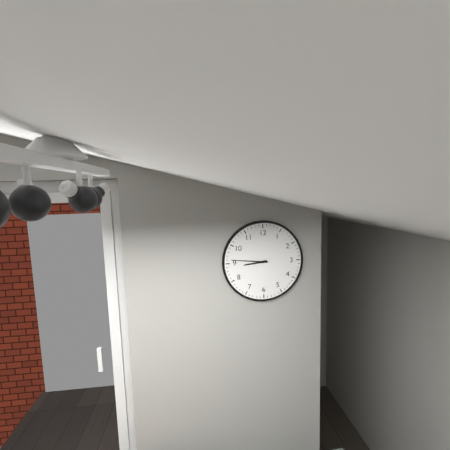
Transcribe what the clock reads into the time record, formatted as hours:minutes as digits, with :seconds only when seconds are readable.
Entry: 8:46
